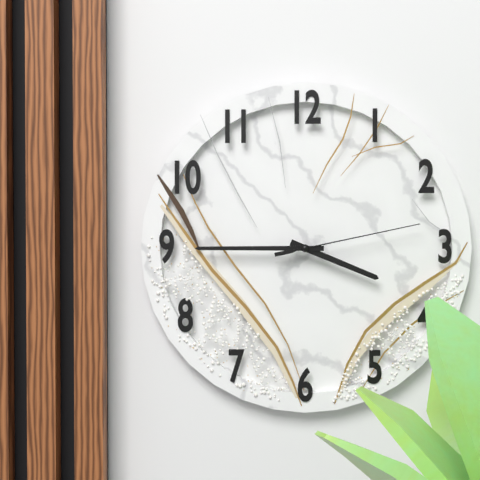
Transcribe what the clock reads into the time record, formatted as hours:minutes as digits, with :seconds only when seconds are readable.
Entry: 3:45:13
